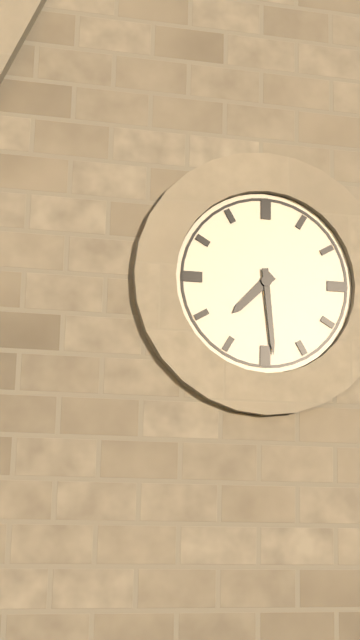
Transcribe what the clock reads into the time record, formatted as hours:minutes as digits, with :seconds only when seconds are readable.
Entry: 7:29
